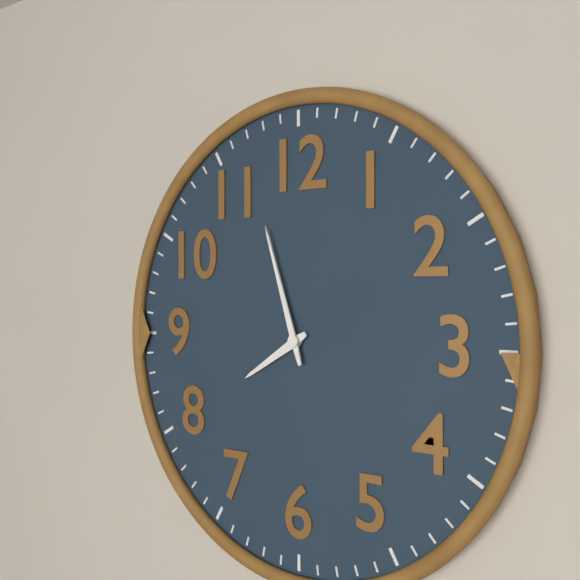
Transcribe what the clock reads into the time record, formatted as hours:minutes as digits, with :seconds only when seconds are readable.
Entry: 7:57
